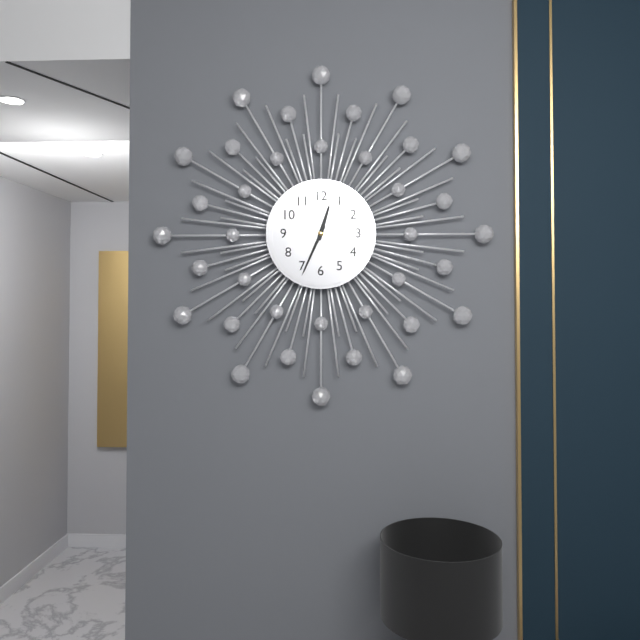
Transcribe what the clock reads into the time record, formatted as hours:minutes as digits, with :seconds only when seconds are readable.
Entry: 12:34
